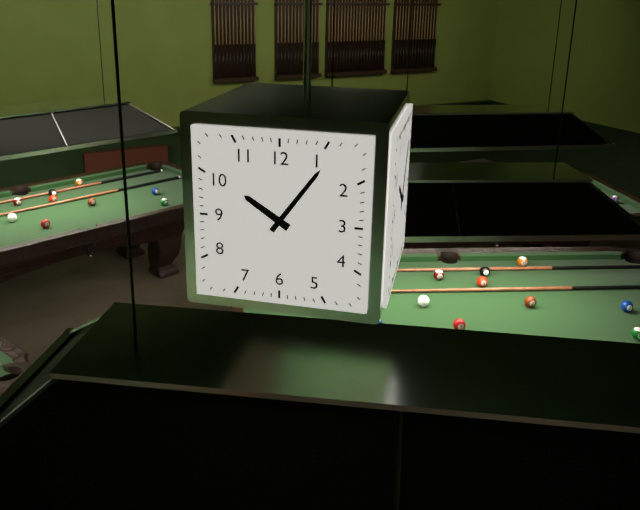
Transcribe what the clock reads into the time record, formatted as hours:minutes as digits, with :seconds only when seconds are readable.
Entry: 10:06
